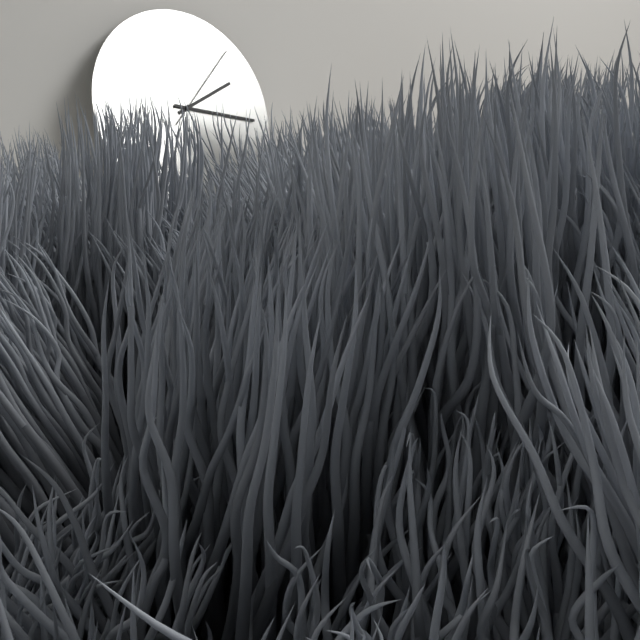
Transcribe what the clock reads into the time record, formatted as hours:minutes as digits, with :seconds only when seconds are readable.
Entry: 2:17:08
